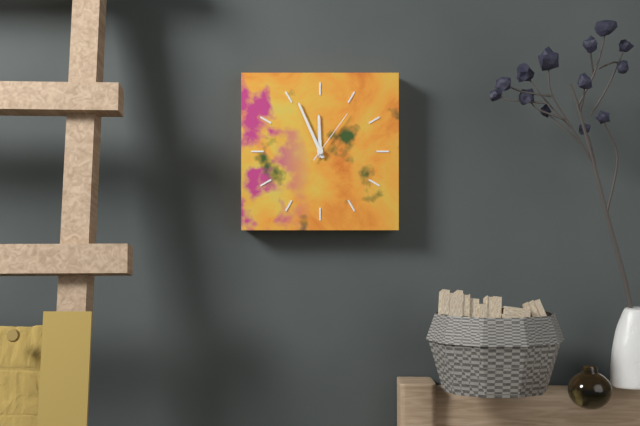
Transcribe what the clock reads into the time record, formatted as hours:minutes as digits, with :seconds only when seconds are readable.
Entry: 11:56:06
